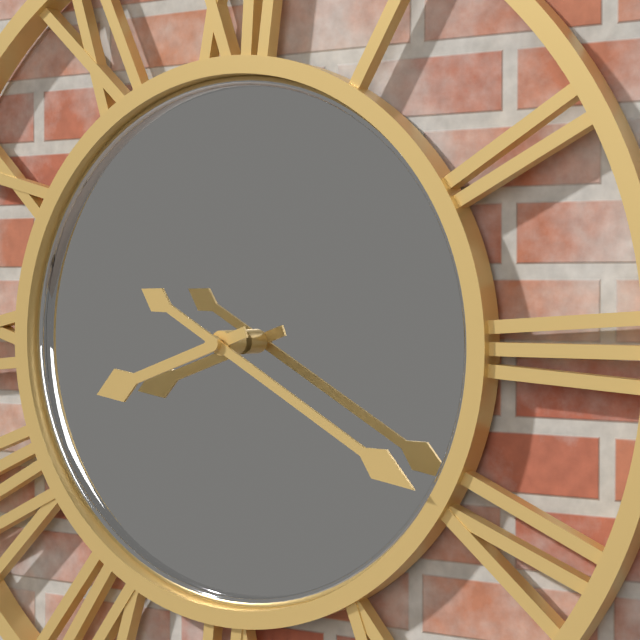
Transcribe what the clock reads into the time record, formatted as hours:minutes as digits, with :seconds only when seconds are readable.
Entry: 8:20
